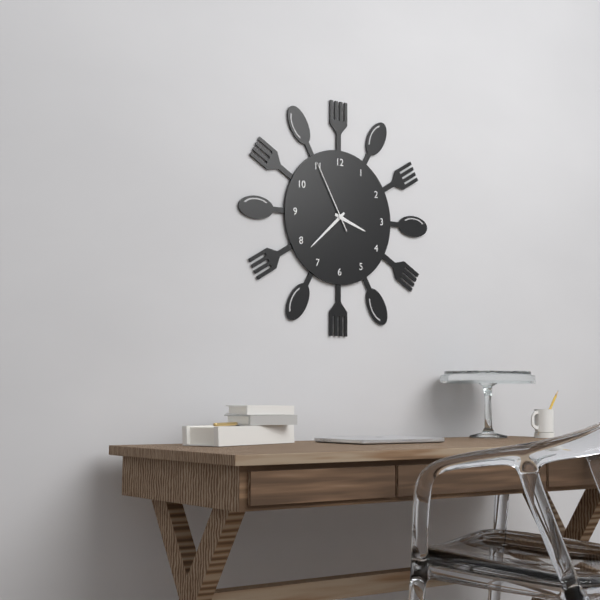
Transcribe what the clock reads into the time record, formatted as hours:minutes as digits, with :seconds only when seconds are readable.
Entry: 3:38:55
